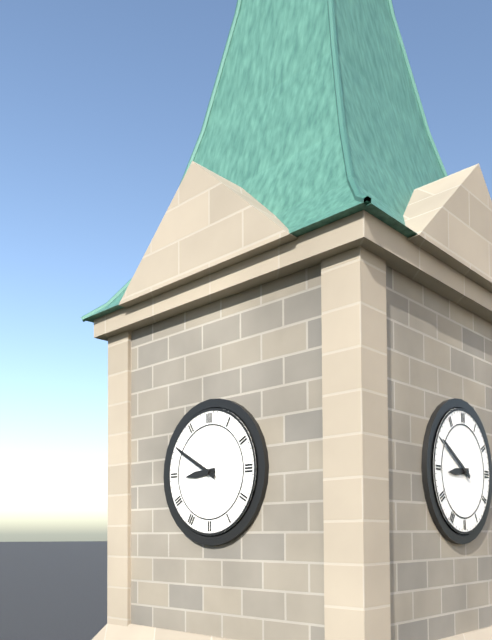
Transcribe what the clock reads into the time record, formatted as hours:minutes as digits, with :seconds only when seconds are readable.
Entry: 8:50
